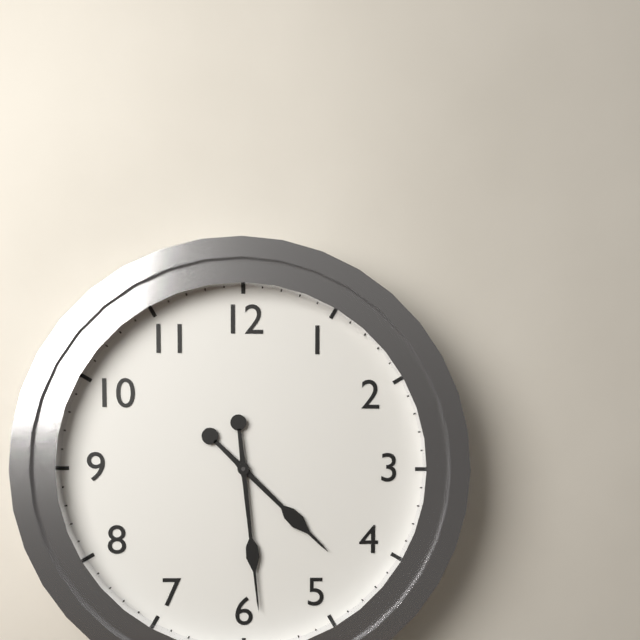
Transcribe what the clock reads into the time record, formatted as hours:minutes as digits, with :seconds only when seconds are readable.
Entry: 4:29
